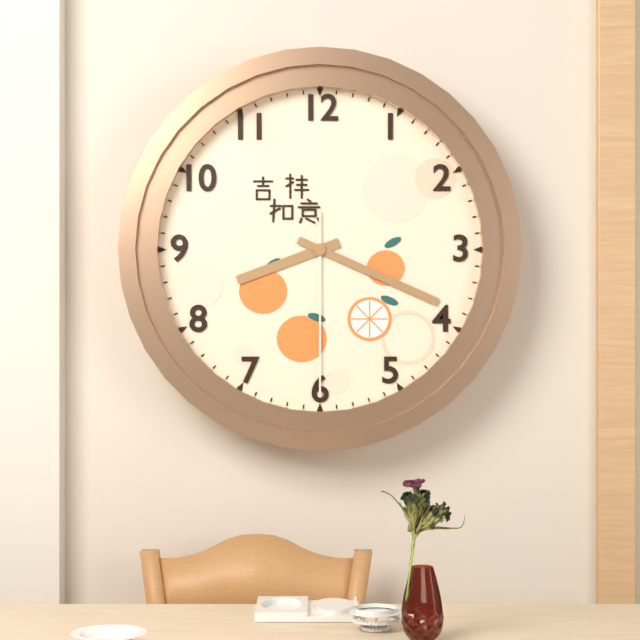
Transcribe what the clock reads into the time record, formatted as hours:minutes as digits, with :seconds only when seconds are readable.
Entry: 8:19:30
